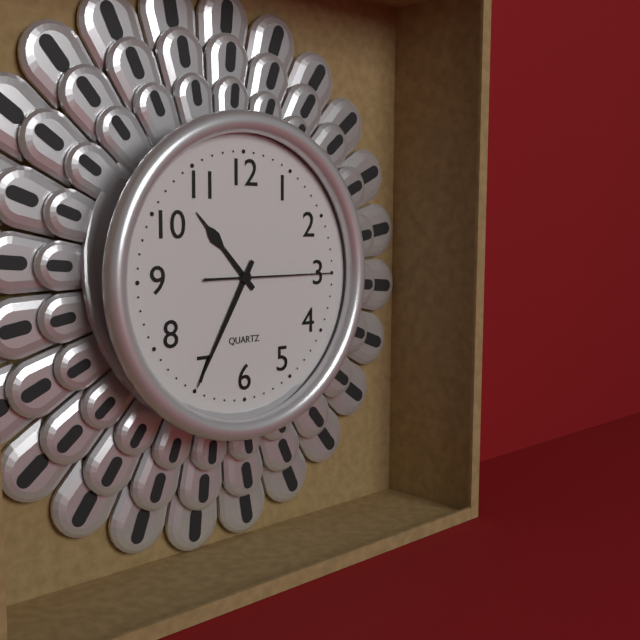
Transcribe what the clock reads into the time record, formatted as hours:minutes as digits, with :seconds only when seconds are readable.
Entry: 10:35:15
